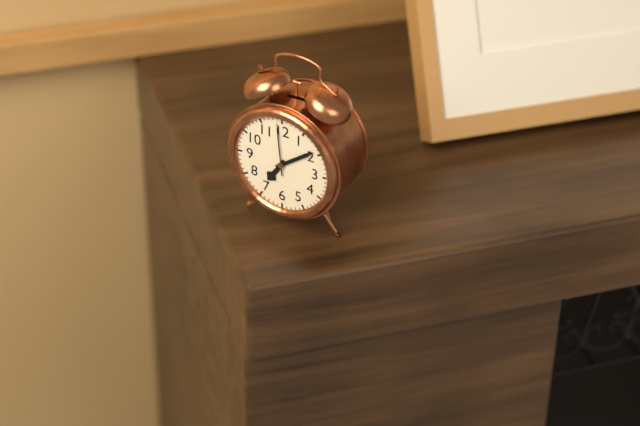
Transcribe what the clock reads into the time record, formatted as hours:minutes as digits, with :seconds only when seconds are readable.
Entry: 7:09:59
